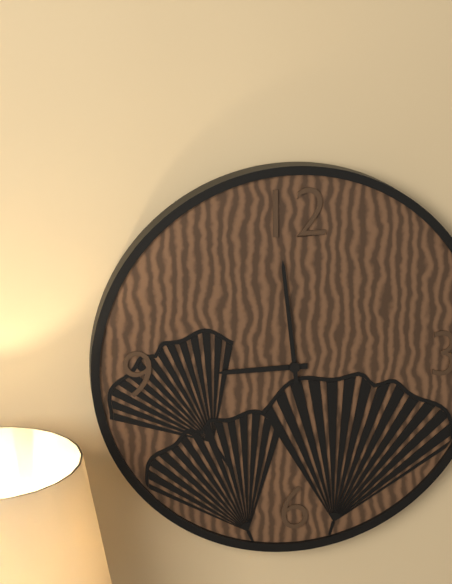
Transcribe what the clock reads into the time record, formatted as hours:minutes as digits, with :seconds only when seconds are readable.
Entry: 8:59
